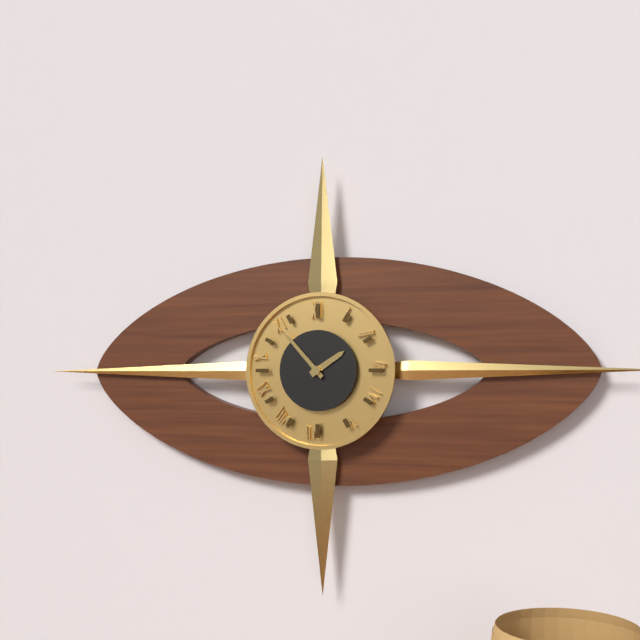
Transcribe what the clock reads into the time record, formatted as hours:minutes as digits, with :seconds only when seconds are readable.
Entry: 1:53
